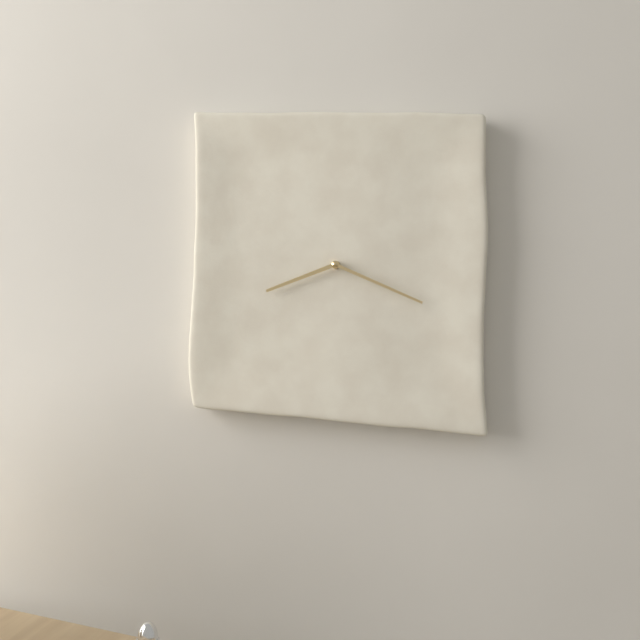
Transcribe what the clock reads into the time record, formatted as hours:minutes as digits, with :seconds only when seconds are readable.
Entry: 8:19
